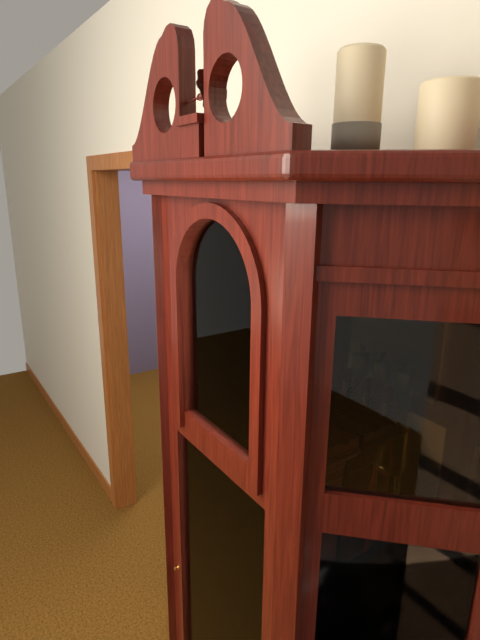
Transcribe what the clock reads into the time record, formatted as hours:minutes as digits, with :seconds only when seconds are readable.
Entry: 9:41
